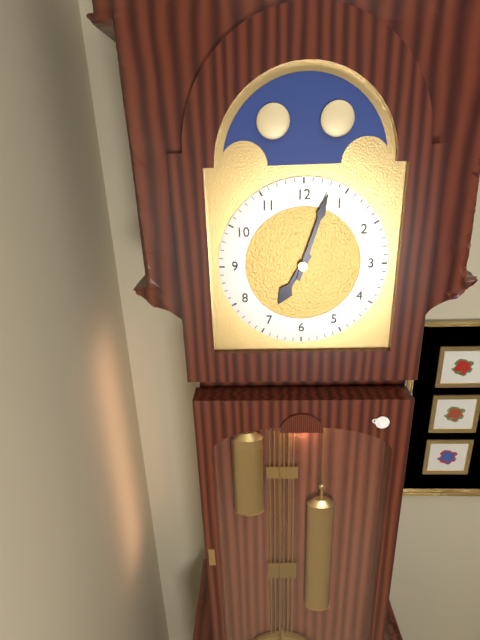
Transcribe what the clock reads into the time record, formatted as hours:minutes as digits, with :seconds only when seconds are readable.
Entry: 7:03
